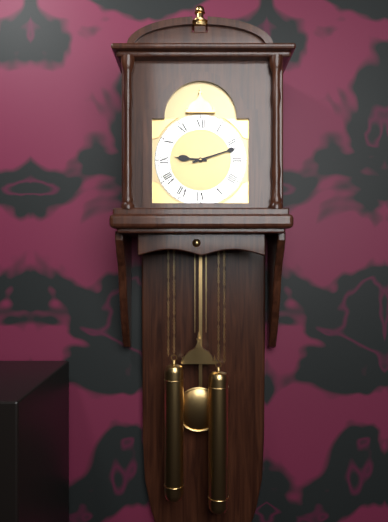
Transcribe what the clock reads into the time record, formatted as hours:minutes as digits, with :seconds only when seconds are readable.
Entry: 9:12
